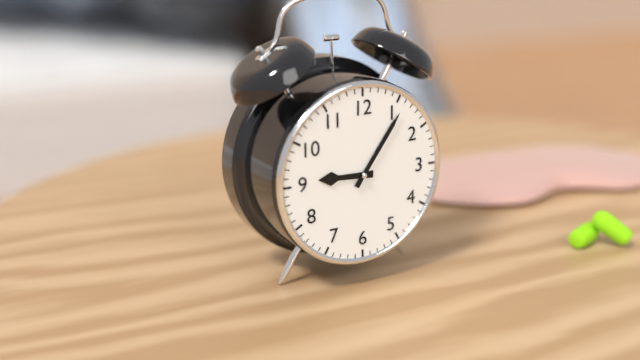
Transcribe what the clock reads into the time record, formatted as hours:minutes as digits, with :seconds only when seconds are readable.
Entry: 9:06
